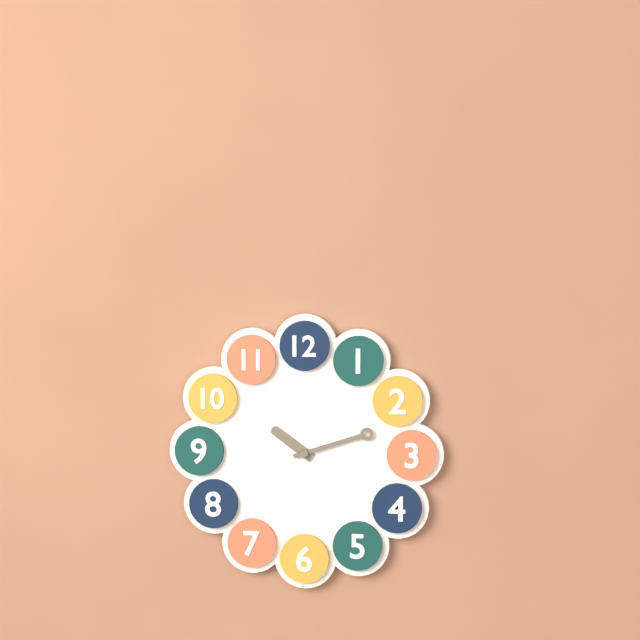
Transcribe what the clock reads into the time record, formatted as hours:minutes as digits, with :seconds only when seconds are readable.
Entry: 10:12
